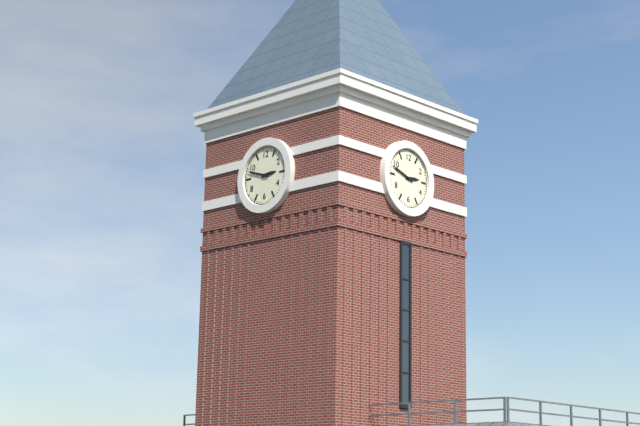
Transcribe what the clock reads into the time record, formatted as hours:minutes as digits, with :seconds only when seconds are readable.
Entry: 2:48
